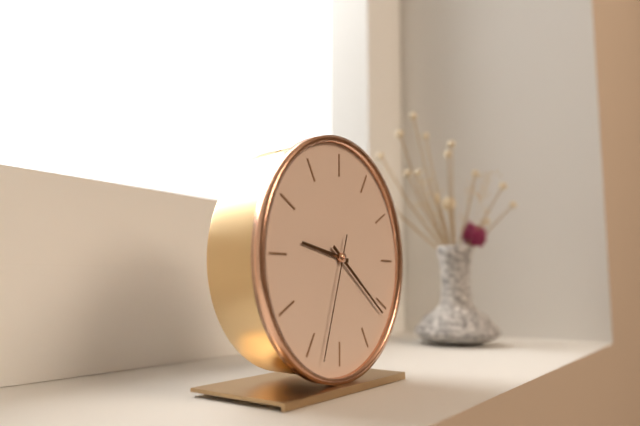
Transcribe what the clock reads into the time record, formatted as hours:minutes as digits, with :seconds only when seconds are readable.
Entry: 9:21:33
